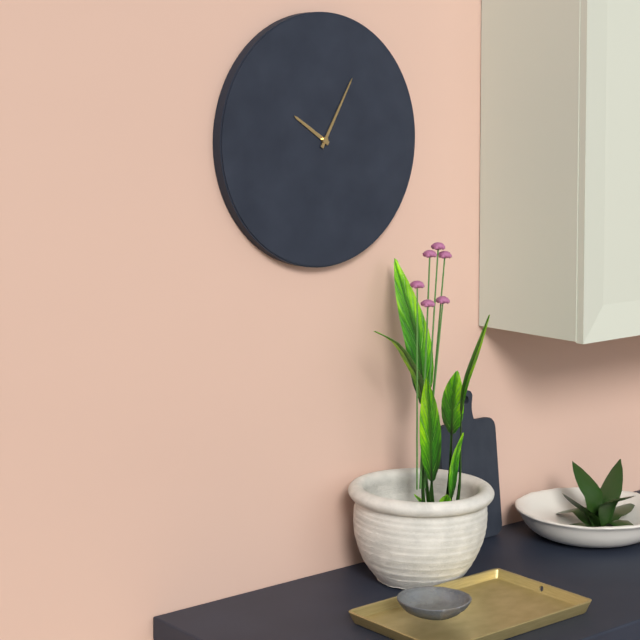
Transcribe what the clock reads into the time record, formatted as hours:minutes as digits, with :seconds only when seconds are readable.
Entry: 10:05
